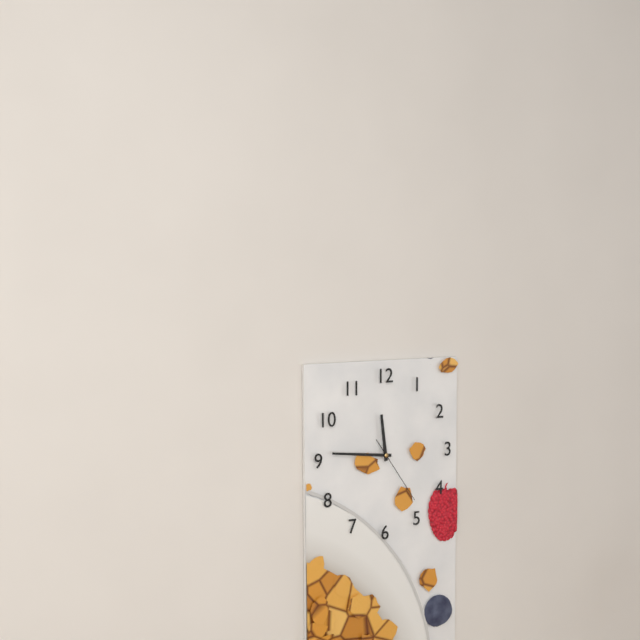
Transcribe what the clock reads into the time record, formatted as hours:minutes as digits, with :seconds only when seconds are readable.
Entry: 11:46:24
